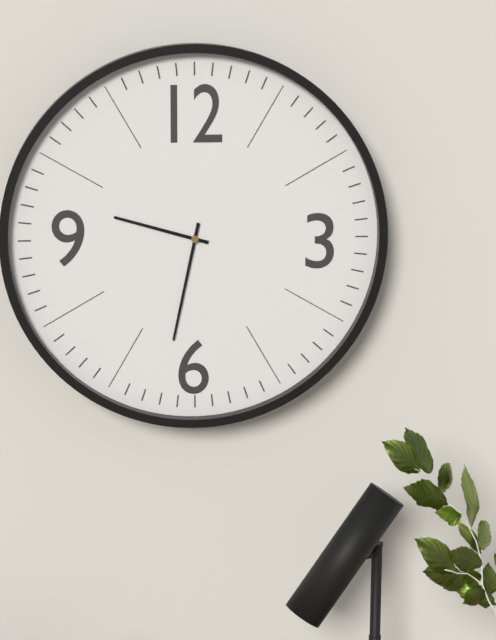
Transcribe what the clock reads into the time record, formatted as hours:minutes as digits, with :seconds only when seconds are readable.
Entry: 9:32
